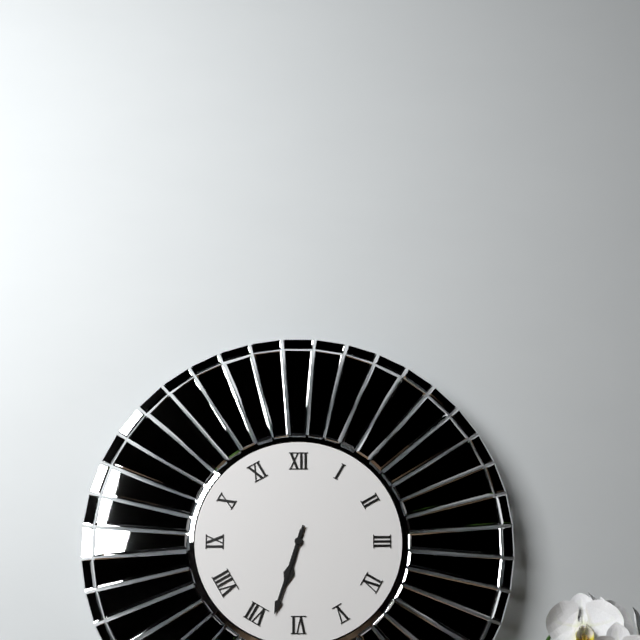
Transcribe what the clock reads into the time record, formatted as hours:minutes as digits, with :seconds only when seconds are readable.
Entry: 6:33
